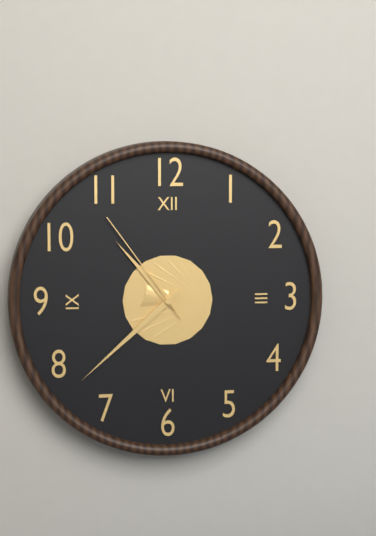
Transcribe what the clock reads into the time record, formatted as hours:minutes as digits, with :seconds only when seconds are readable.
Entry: 10:38:54
